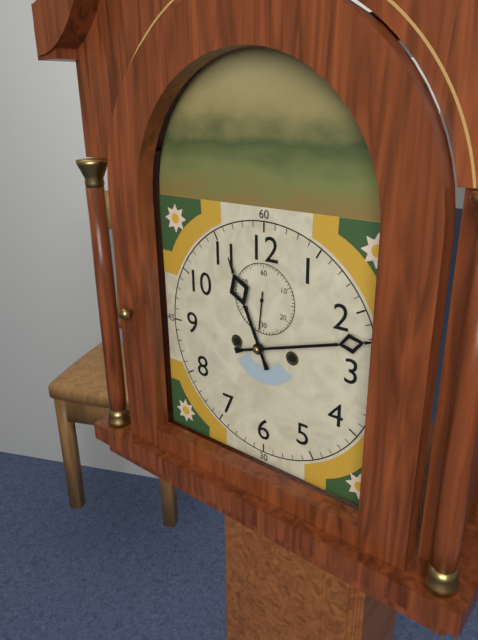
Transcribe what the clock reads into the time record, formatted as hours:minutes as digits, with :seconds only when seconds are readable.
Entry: 11:12
